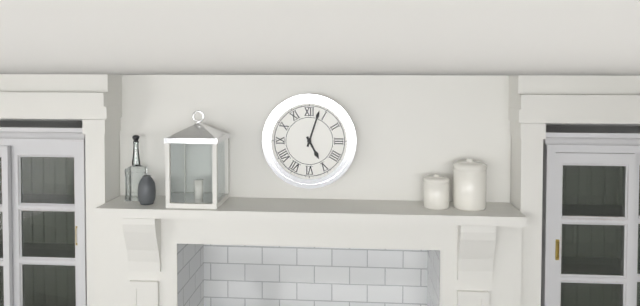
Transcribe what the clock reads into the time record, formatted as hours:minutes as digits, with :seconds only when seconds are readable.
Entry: 5:03
